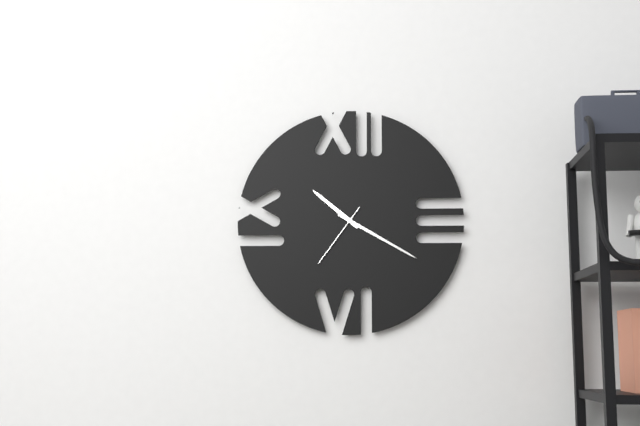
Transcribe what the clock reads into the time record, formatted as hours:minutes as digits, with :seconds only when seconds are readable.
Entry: 10:20:36
